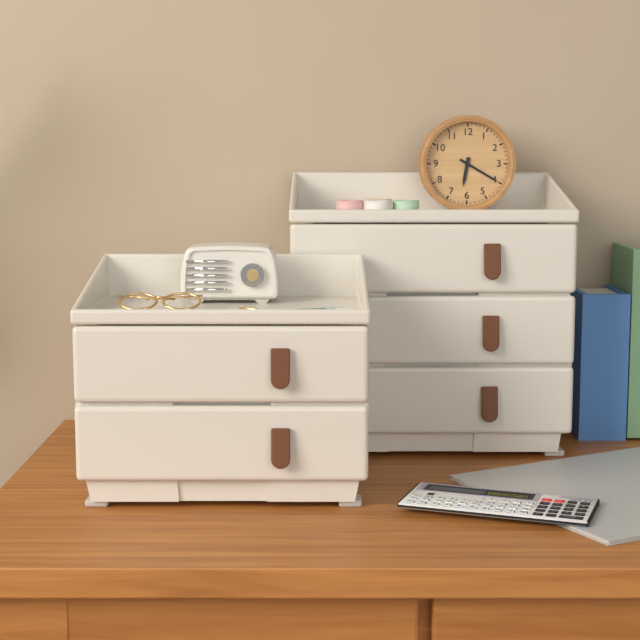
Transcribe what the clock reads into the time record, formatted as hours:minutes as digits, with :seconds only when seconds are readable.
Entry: 6:20
